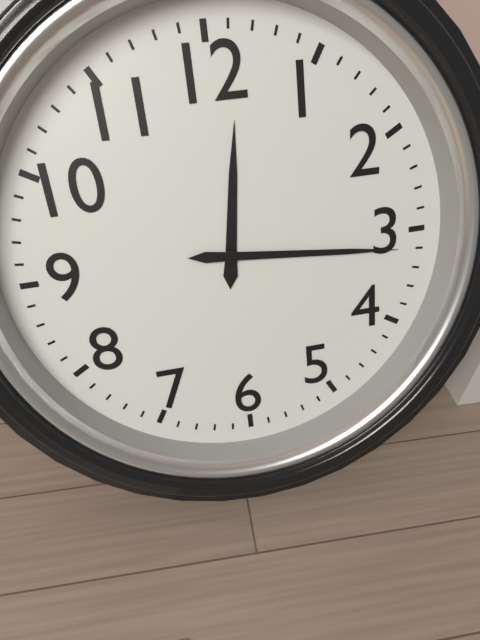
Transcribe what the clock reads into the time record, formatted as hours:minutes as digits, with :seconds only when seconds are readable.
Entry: 12:16
